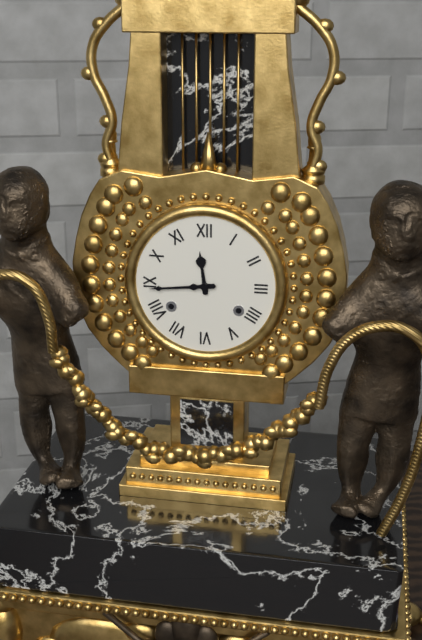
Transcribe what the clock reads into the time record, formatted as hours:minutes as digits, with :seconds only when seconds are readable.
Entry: 11:44
